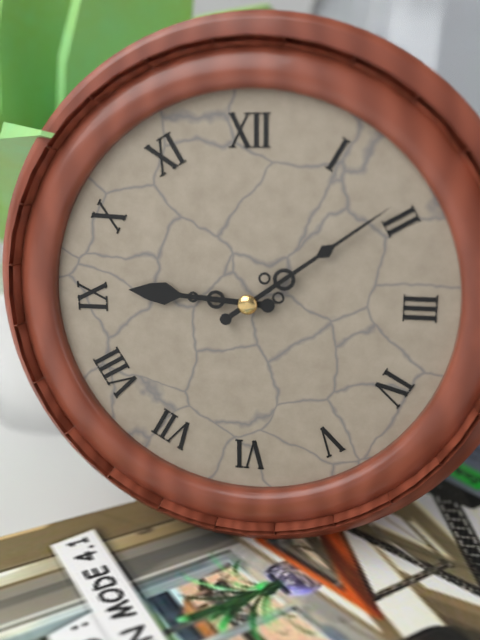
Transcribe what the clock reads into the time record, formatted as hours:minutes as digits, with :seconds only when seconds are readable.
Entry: 9:09
